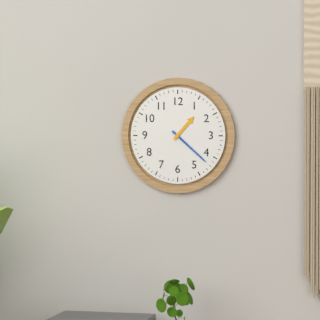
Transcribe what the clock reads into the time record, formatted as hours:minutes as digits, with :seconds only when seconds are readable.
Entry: 1:22
